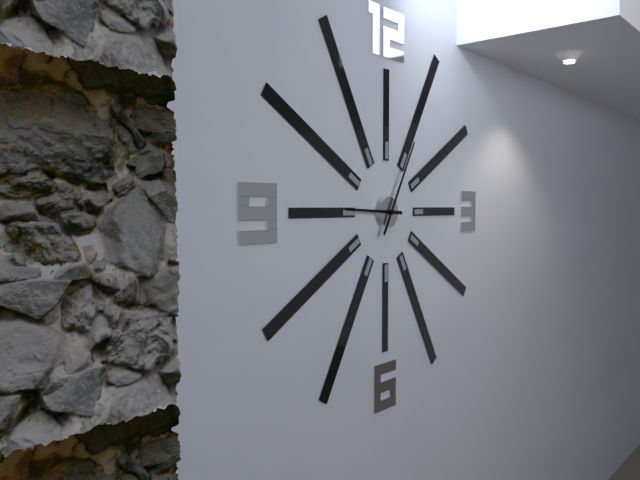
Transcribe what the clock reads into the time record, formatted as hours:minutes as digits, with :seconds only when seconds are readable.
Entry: 9:05
